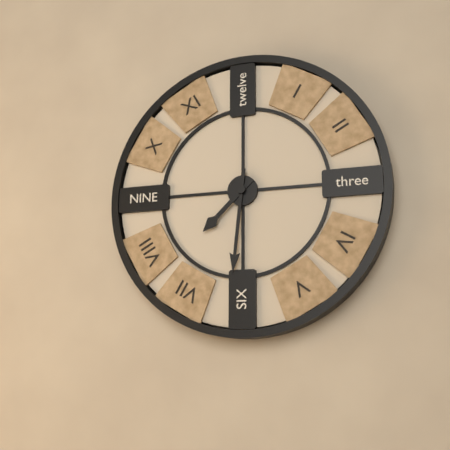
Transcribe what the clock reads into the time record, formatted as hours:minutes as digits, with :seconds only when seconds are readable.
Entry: 7:31
